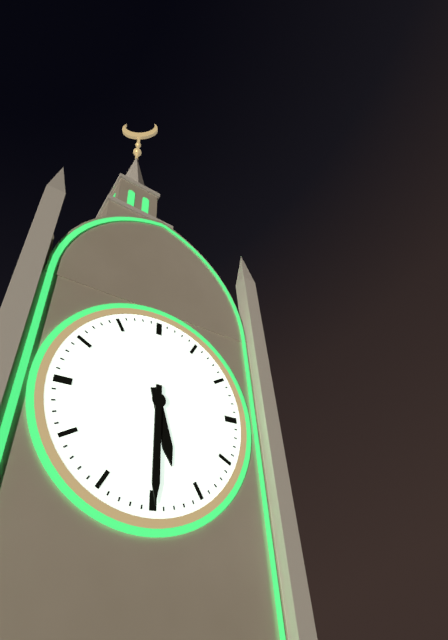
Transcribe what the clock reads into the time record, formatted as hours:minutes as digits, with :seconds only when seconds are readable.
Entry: 5:30
